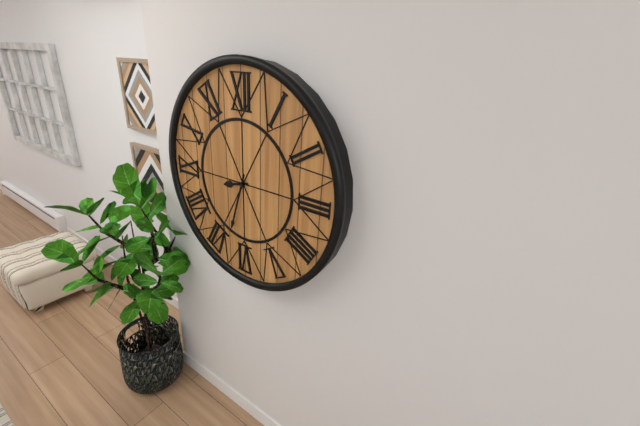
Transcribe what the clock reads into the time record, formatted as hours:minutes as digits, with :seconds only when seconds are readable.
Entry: 8:33
